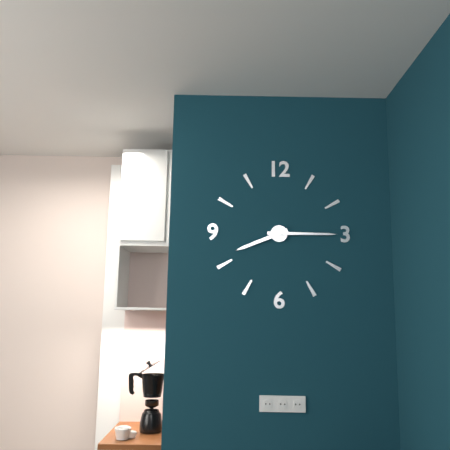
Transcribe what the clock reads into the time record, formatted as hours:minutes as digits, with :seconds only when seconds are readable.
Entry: 8:15
